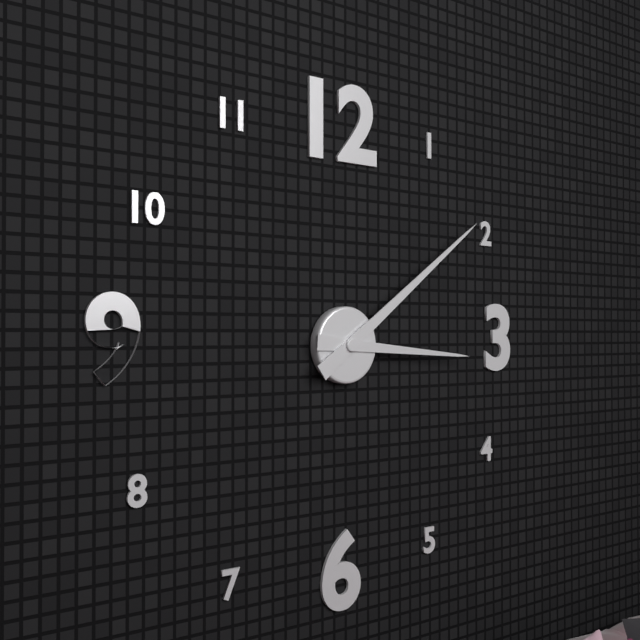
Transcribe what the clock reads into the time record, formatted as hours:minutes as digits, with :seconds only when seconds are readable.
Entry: 3:09
